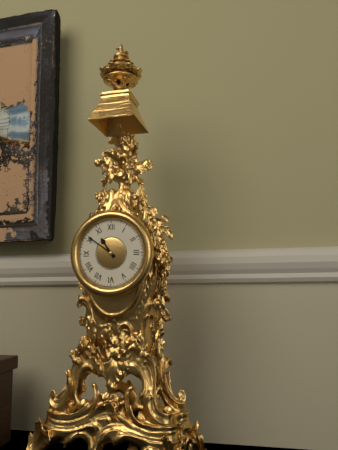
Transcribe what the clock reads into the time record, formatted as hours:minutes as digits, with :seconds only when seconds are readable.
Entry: 10:51
